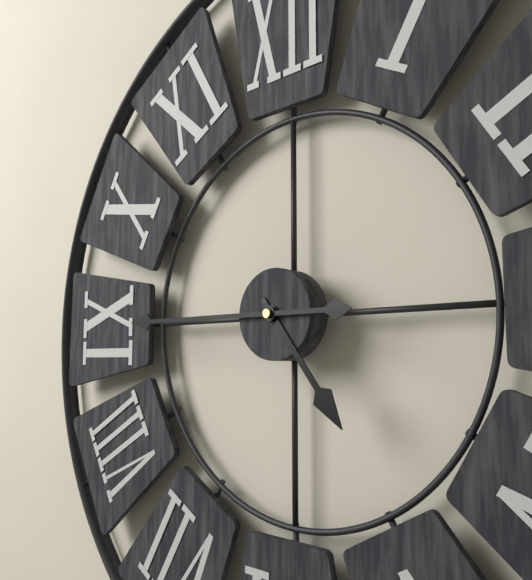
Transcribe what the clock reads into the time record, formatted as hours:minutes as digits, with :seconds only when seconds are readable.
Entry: 4:45
